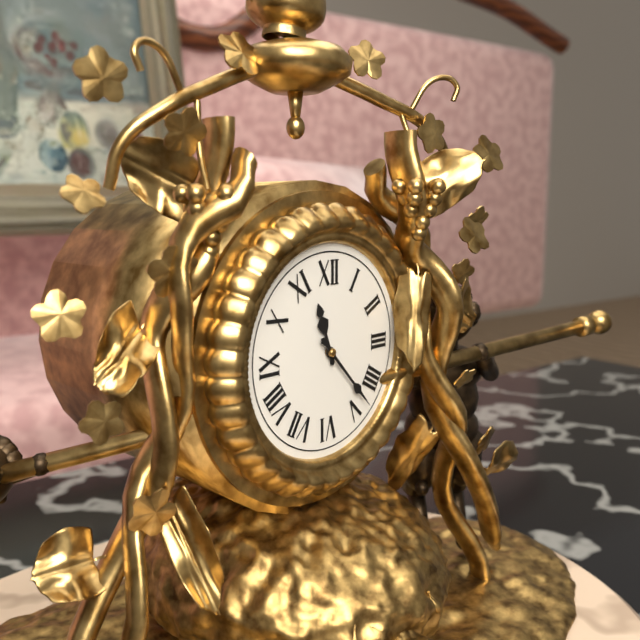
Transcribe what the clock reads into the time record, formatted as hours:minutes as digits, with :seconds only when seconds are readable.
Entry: 11:23
